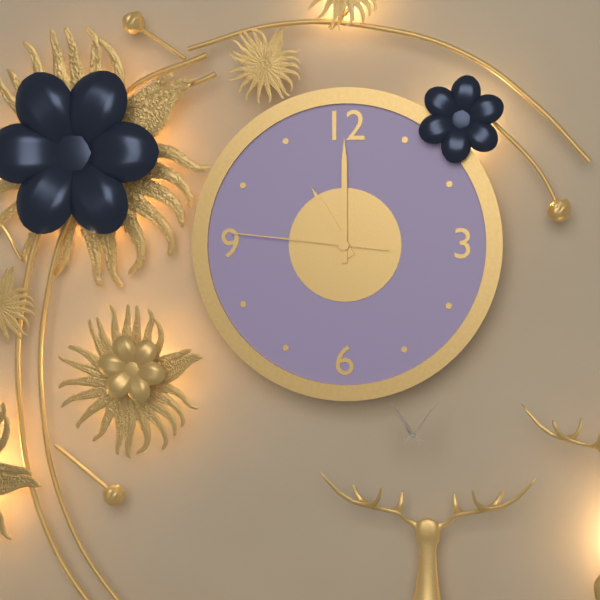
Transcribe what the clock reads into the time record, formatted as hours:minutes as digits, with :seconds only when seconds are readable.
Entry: 11:00:46
